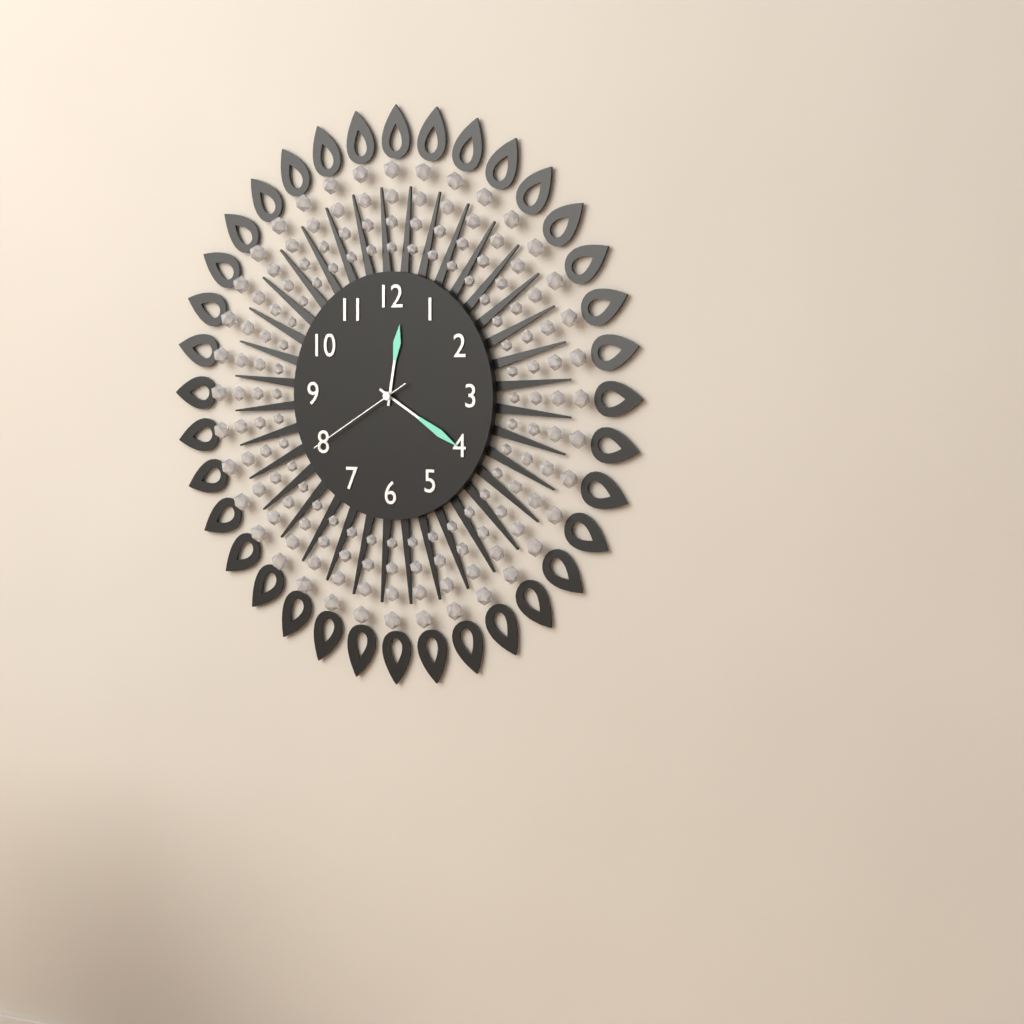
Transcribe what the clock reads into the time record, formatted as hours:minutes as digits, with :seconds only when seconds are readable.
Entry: 12:20:40
